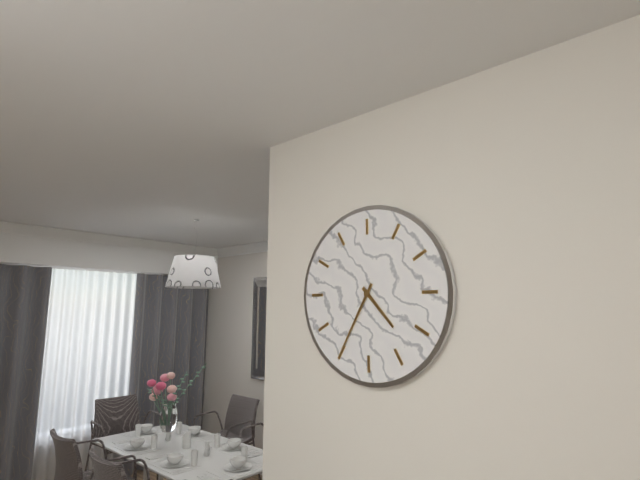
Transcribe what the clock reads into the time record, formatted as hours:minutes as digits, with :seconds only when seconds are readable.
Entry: 4:35
